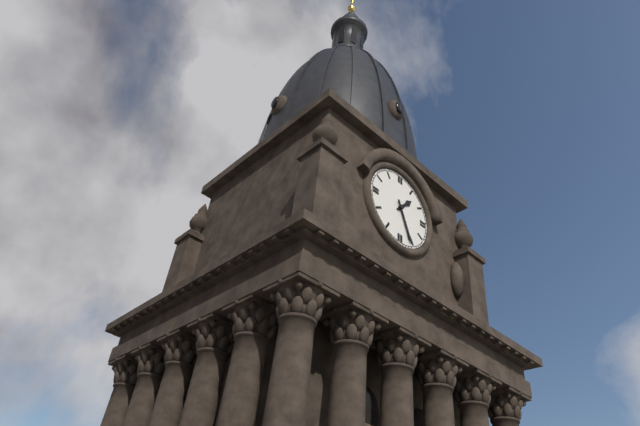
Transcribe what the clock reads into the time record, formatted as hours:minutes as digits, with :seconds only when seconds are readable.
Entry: 1:26
